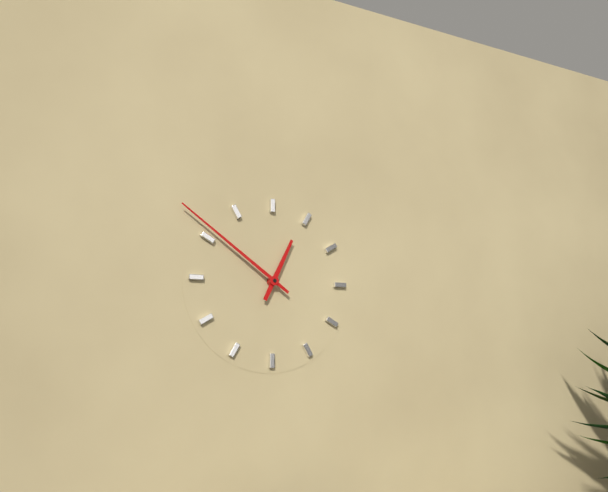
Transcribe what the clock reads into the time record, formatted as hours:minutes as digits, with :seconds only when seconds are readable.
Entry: 12:51
